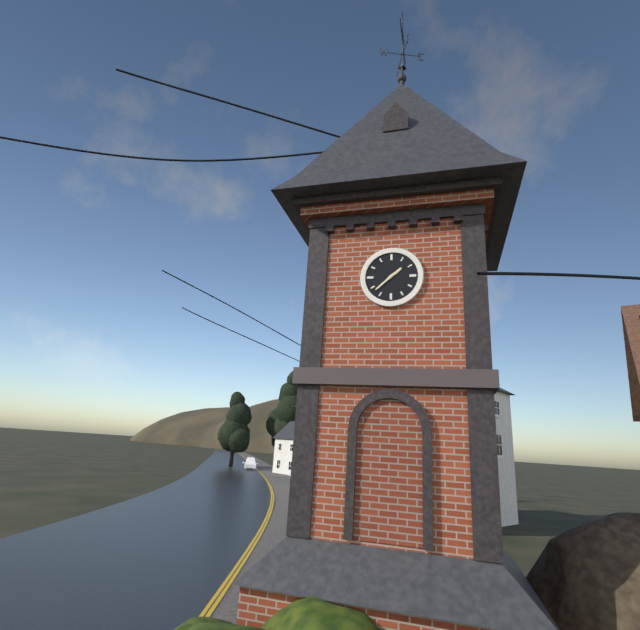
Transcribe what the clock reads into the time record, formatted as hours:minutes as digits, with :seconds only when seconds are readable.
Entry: 1:38
